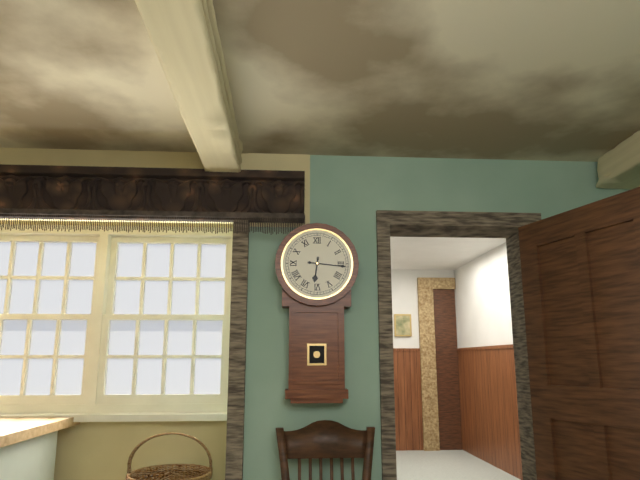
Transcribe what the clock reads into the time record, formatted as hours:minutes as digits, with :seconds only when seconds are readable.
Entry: 6:16
